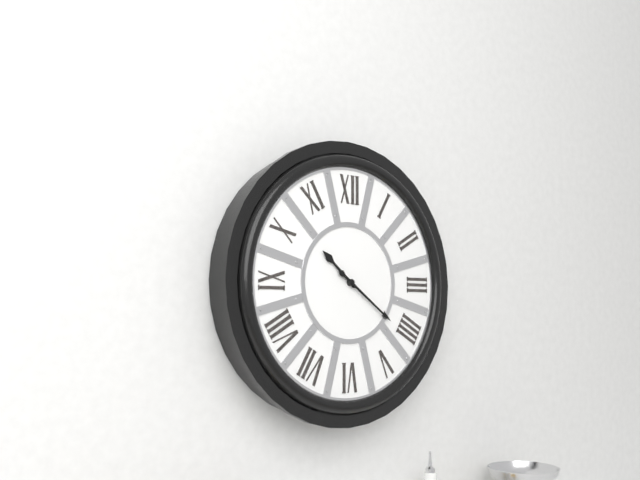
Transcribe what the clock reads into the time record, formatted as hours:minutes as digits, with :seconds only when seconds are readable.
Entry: 10:21
